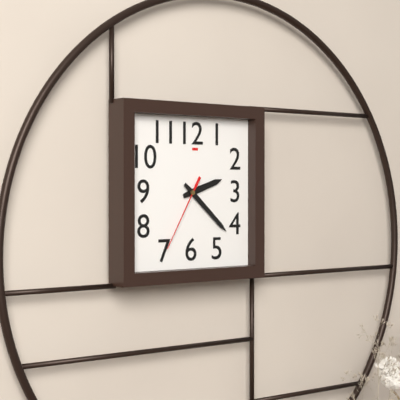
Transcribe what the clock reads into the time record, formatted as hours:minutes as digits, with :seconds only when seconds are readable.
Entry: 2:22:35
